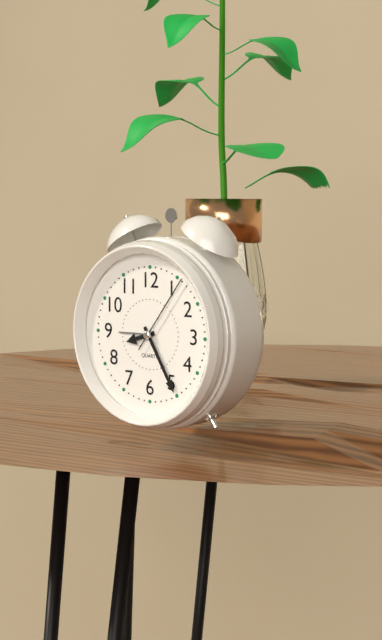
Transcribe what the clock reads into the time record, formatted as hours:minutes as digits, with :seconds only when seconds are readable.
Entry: 8:25:06
